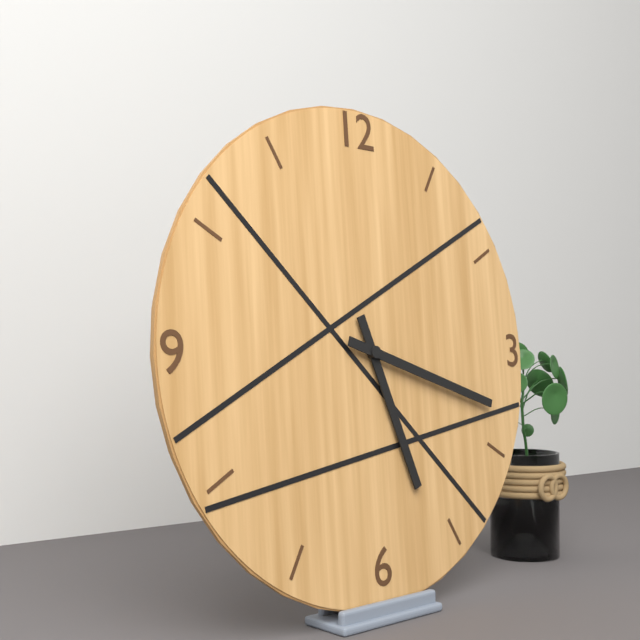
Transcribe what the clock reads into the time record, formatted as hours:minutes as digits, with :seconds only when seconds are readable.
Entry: 5:18
